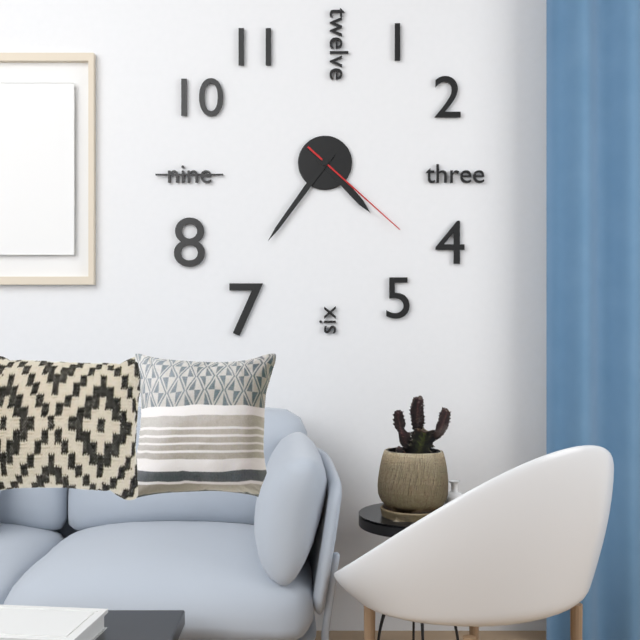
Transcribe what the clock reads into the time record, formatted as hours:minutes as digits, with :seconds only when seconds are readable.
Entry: 4:36:22
